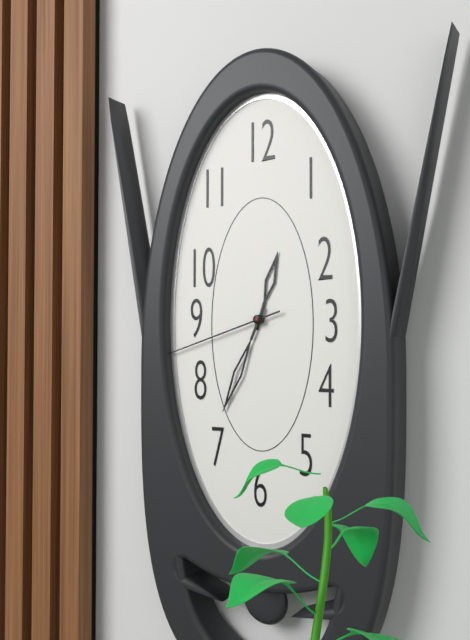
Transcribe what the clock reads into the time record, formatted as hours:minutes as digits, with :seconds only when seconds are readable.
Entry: 12:34:42
